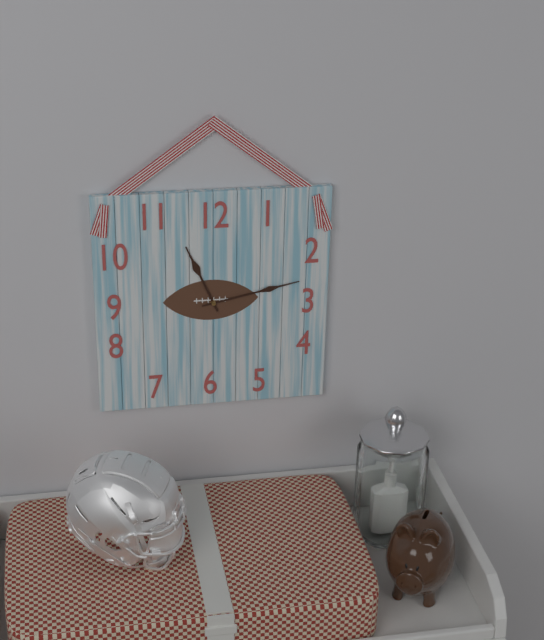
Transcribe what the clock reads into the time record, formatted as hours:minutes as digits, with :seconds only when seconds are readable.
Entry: 11:13
